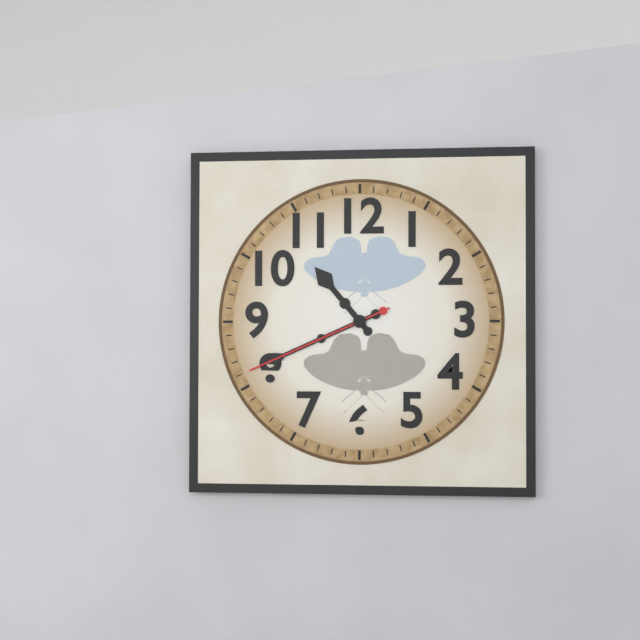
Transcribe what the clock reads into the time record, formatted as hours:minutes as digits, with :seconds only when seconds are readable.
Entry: 10:41:41
